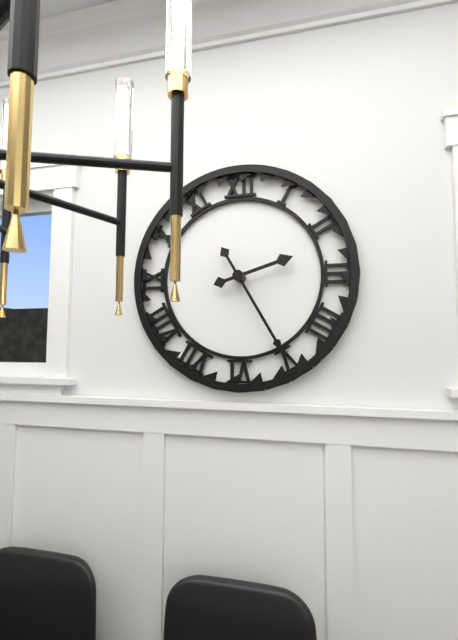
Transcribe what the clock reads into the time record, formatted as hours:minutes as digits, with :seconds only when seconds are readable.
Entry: 2:25
